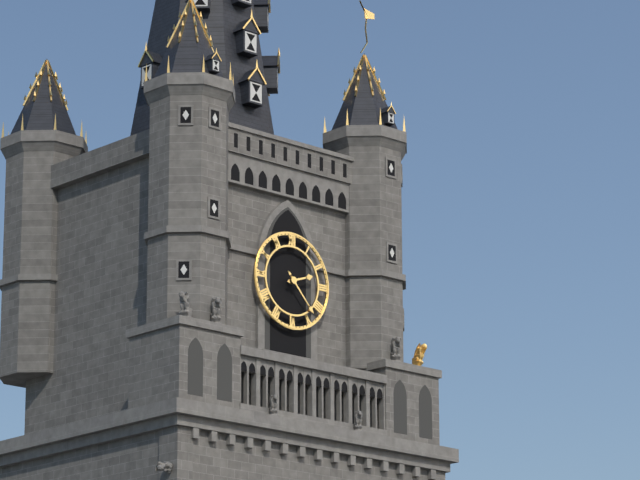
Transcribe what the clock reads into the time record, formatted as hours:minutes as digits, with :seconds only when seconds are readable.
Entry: 2:23
